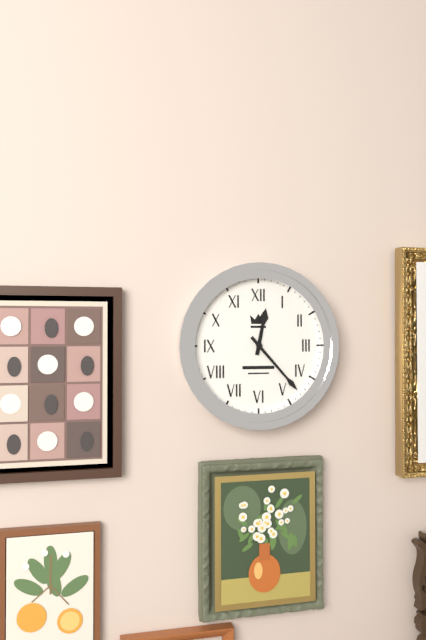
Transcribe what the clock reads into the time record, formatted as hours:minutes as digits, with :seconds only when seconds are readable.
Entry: 12:23
